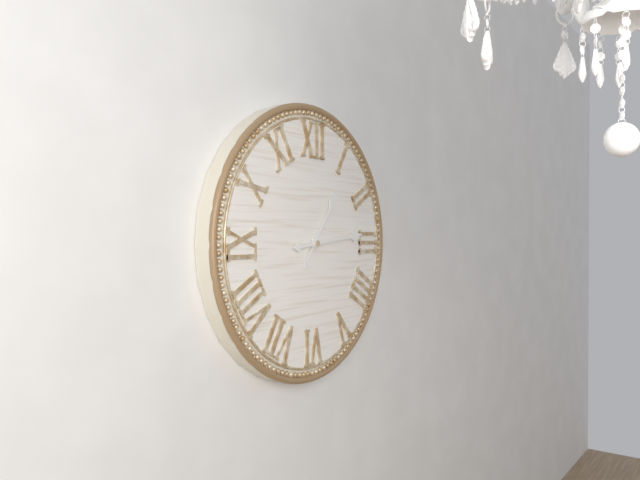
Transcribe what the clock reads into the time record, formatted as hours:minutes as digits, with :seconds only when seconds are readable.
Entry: 1:14
